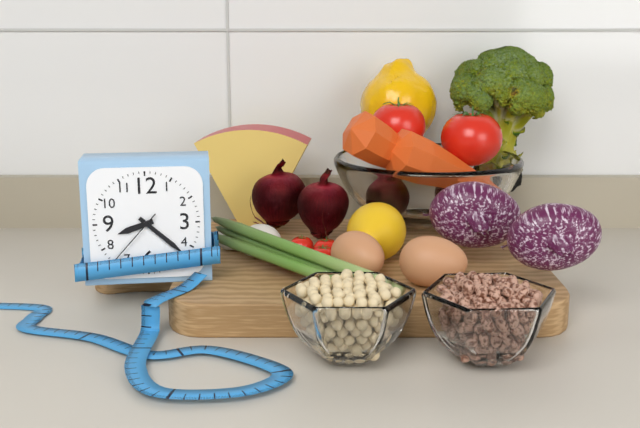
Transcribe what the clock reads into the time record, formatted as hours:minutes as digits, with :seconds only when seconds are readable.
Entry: 8:22:37
